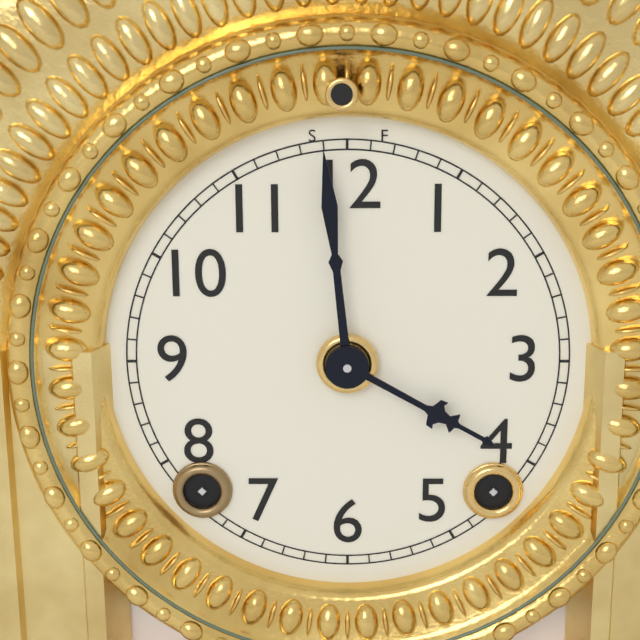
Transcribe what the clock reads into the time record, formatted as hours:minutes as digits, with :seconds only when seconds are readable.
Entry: 3:59
